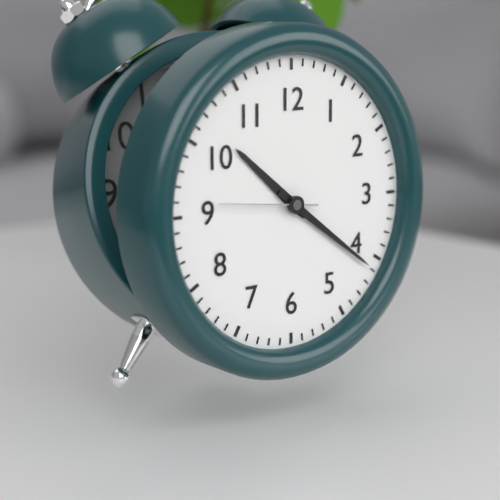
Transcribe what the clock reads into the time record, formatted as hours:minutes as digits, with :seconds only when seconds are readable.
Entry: 10:21:46
